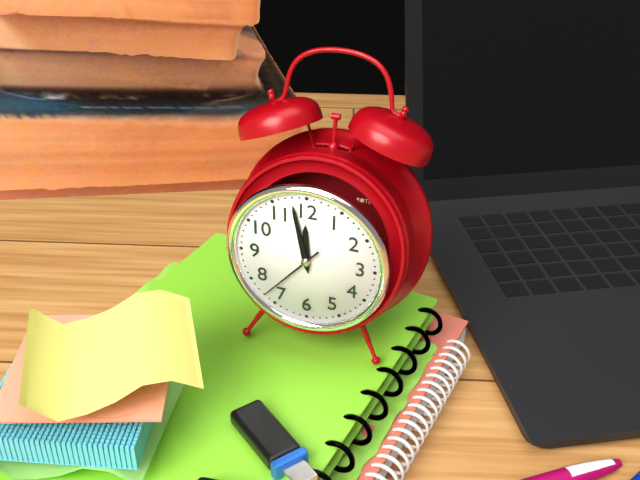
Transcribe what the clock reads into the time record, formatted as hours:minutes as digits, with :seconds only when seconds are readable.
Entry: 11:58:37
